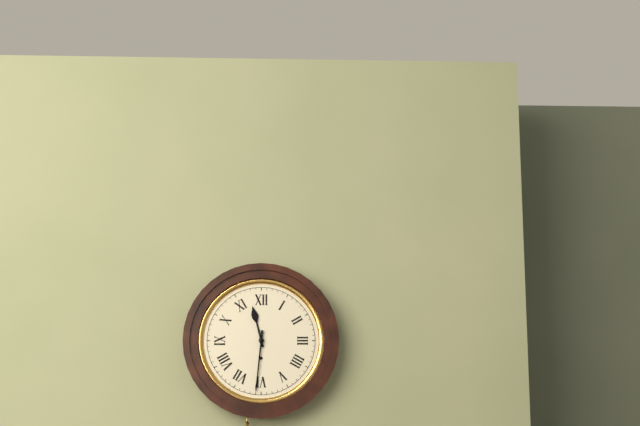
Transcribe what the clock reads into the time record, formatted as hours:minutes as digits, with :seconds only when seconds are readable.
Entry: 11:31
